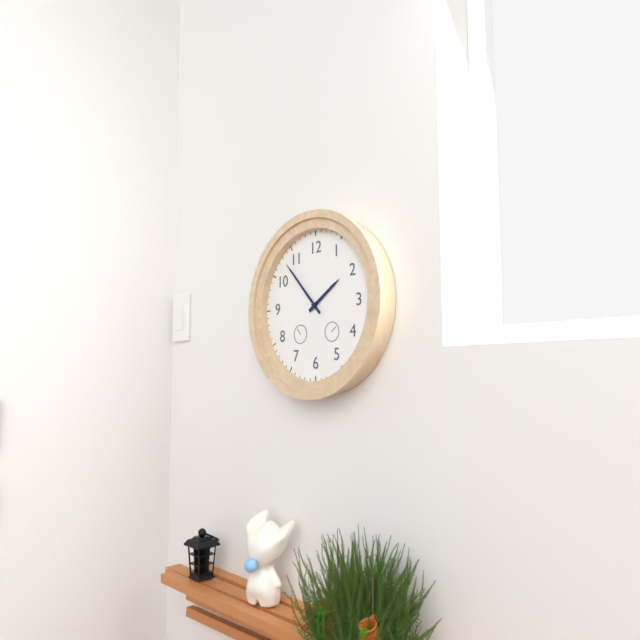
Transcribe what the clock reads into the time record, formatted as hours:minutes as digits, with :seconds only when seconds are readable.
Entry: 1:53
